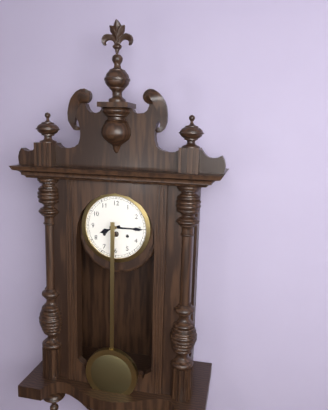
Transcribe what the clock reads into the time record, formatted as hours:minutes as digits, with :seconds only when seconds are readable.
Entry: 8:15
